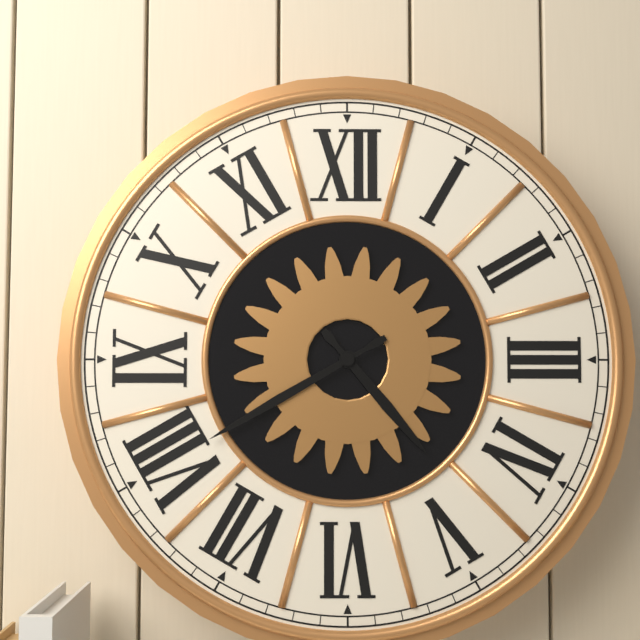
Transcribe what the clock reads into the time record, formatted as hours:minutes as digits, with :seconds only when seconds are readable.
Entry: 4:40
